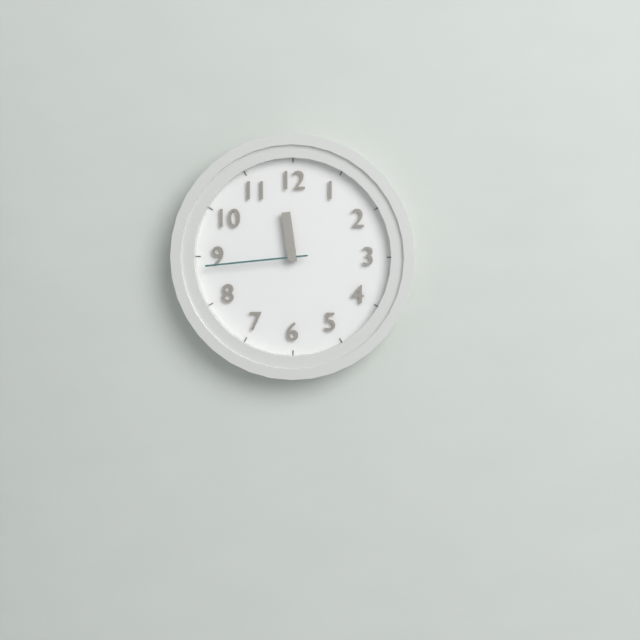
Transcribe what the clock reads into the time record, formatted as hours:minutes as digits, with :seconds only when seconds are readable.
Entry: 11:44
